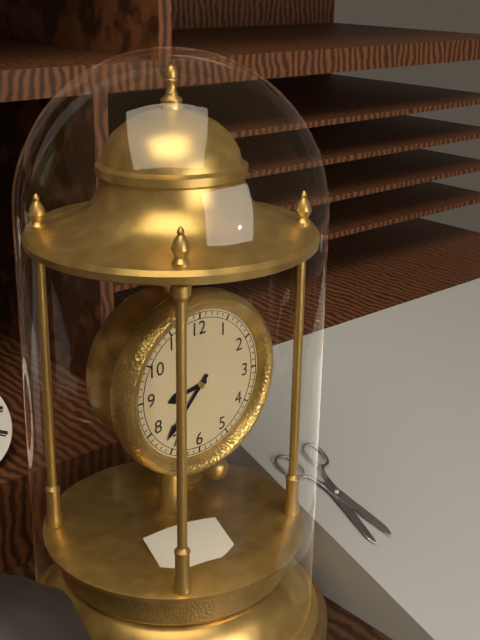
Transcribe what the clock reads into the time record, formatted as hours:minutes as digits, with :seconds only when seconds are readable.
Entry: 8:37
